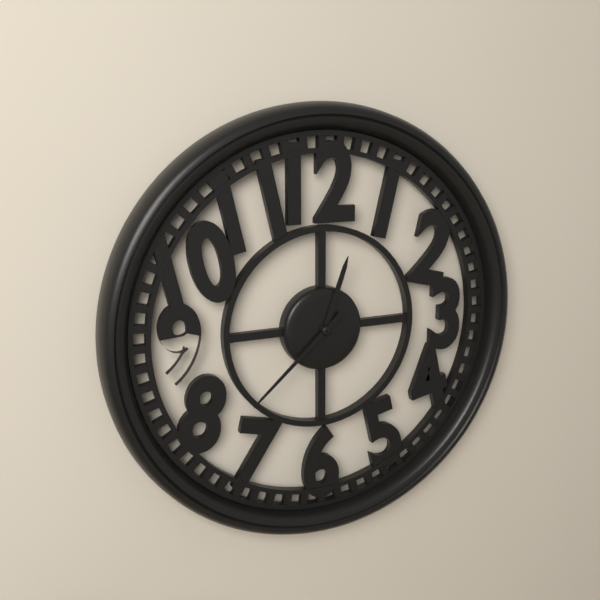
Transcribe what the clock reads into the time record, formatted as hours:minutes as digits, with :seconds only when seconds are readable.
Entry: 12:38
